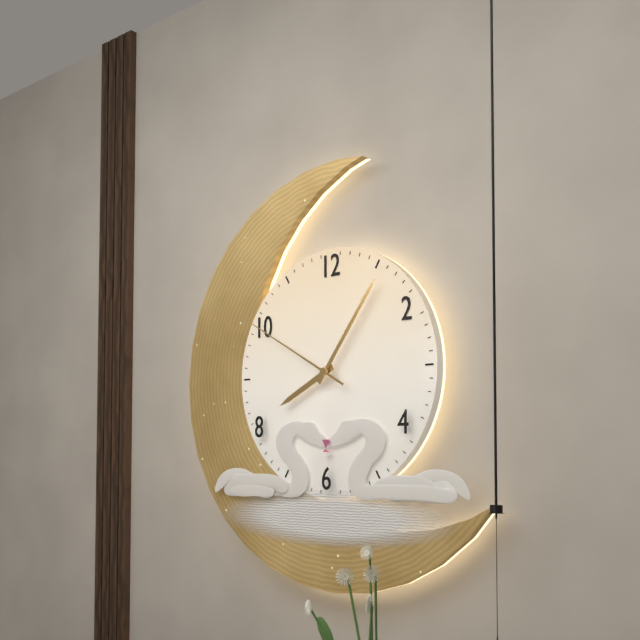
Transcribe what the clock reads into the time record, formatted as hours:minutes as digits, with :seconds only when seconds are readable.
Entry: 8:06:50
